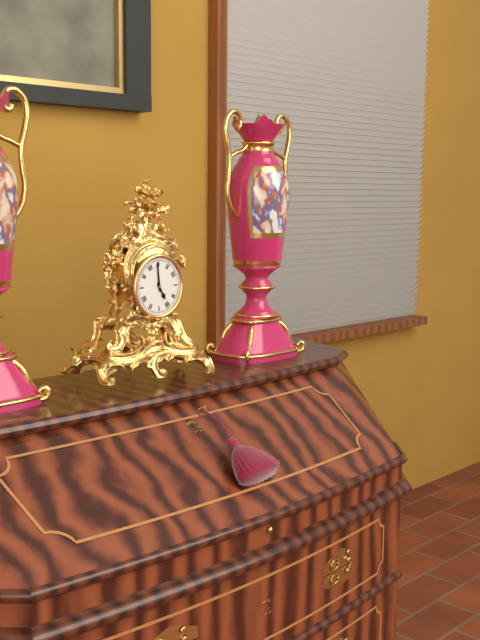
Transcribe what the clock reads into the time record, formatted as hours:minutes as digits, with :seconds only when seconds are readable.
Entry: 4:59
